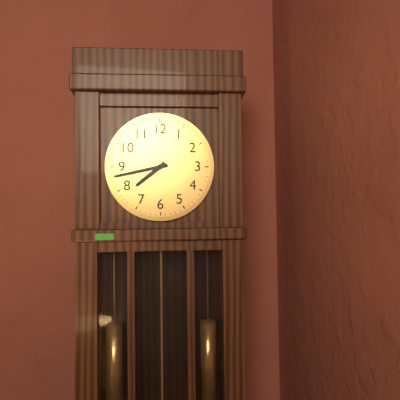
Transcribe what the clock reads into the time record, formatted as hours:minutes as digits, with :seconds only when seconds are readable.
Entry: 7:43
